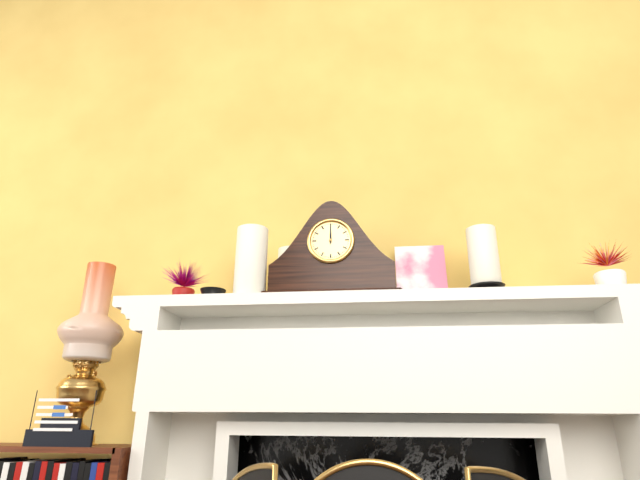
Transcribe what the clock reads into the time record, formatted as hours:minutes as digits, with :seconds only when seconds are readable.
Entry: 12:00
